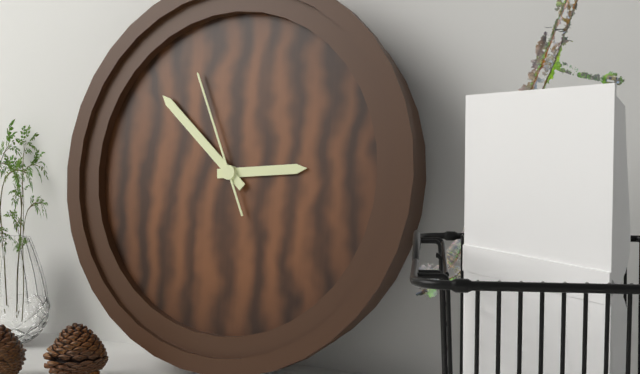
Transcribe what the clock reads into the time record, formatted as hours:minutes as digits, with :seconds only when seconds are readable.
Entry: 2:52:56
